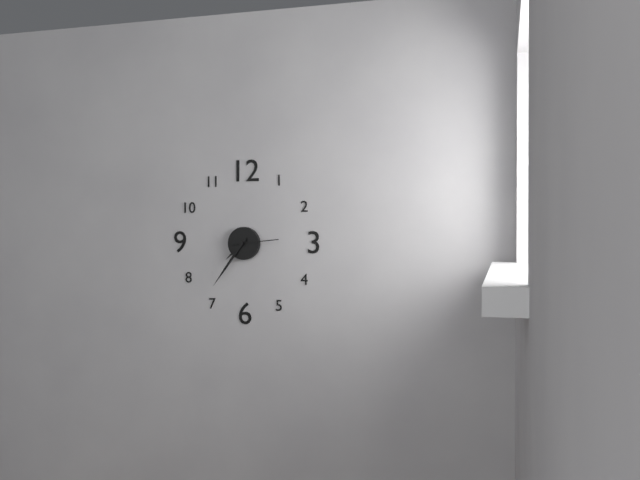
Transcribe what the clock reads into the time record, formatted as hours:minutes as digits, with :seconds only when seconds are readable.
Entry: 7:36
